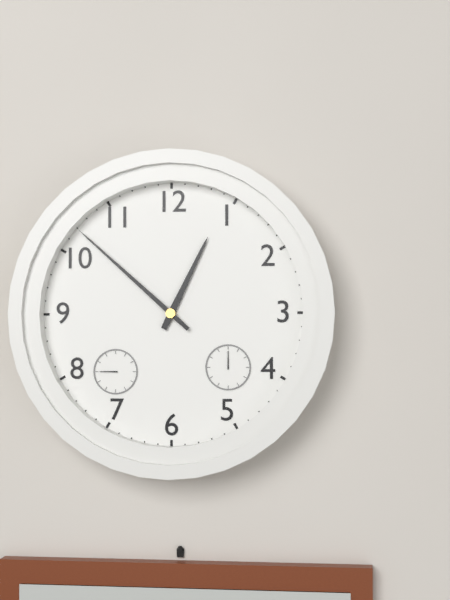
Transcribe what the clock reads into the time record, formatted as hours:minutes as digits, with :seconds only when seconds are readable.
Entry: 12:52
